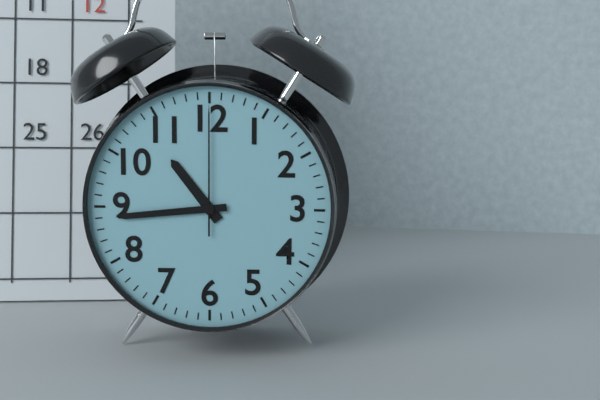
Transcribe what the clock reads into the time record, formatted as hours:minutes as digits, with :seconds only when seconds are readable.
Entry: 10:44:00
